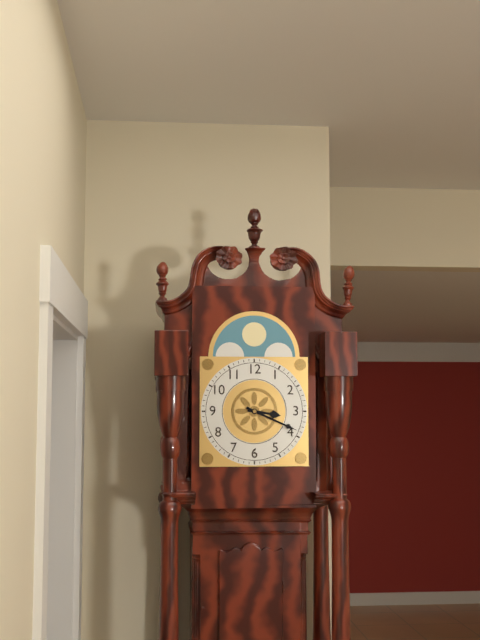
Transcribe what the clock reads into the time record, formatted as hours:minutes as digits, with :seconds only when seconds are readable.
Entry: 3:19
